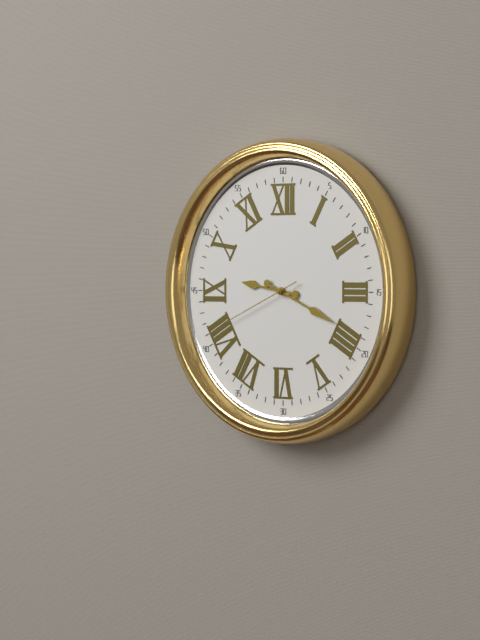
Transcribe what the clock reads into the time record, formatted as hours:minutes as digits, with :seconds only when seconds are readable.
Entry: 9:19:41
